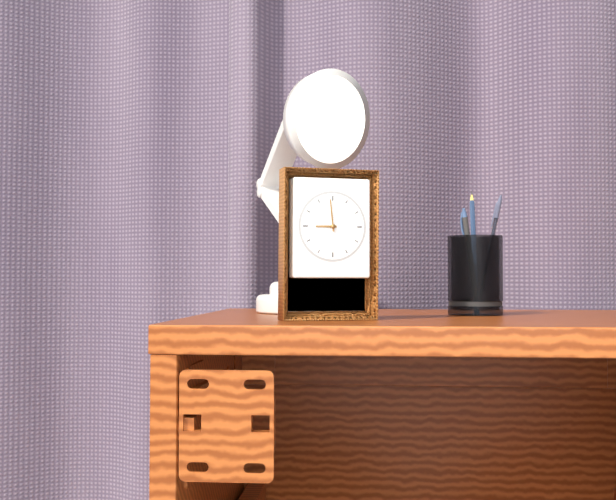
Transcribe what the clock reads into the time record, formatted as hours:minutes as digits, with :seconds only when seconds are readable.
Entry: 8:59
